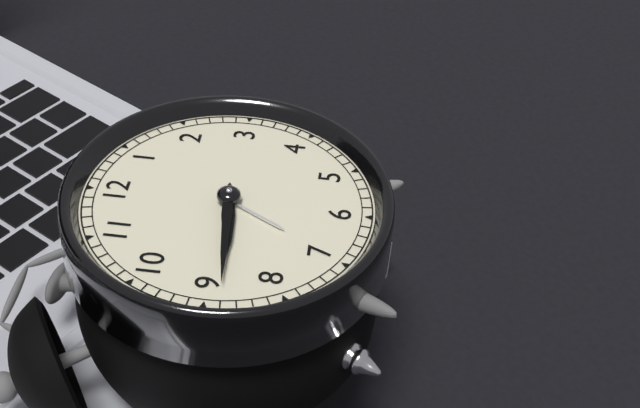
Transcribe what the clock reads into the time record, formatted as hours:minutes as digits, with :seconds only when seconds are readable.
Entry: 8:44
